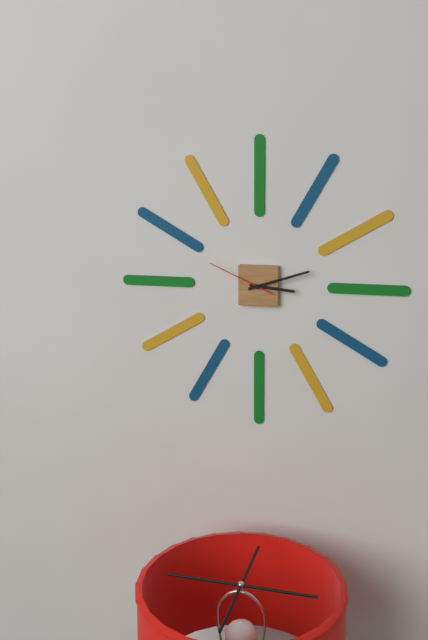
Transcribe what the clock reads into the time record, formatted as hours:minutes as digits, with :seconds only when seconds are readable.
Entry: 3:12:49
